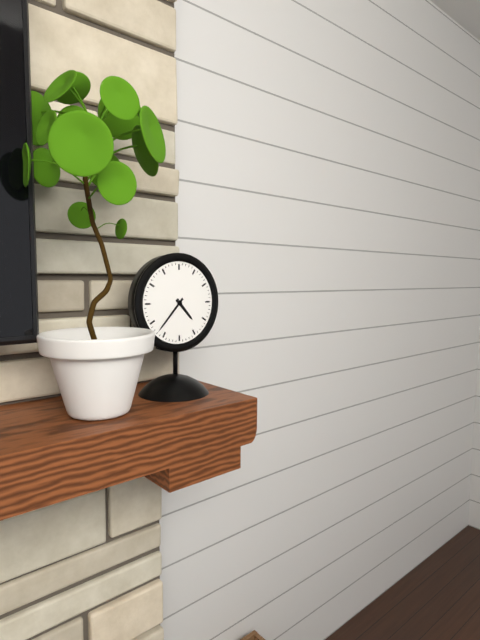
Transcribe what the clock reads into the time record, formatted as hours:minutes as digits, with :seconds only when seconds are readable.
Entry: 4:37
